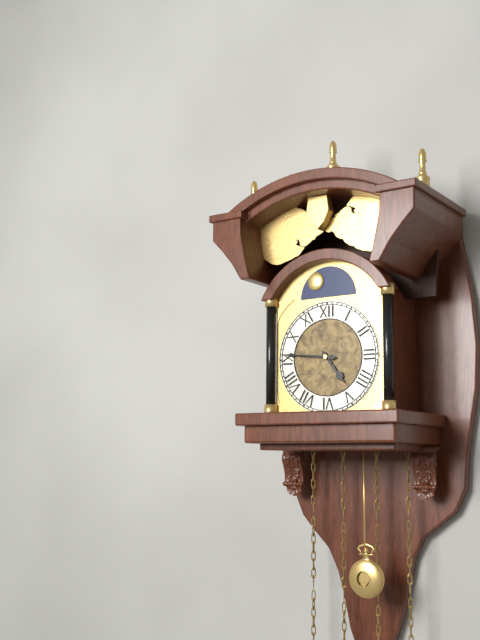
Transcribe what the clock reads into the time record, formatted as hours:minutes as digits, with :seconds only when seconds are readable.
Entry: 4:46
